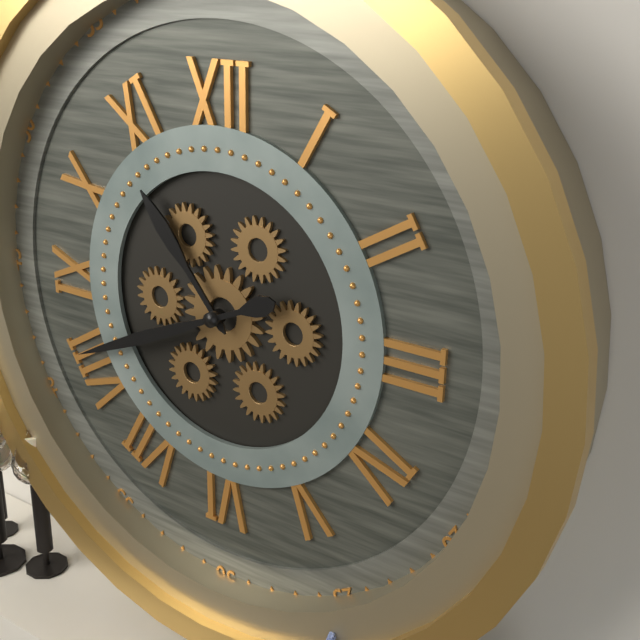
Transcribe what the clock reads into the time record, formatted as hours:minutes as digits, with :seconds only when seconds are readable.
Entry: 10:41
